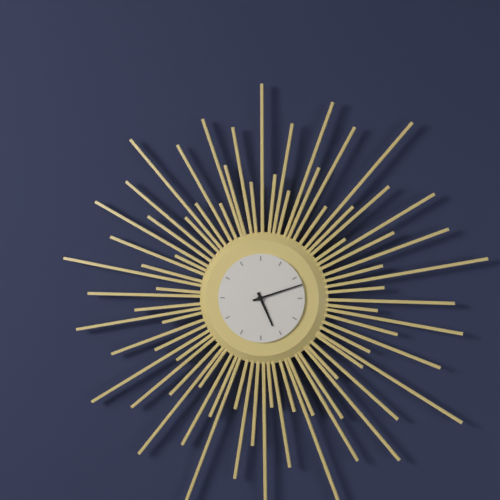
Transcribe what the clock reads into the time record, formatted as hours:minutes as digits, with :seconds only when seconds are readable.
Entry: 5:12
